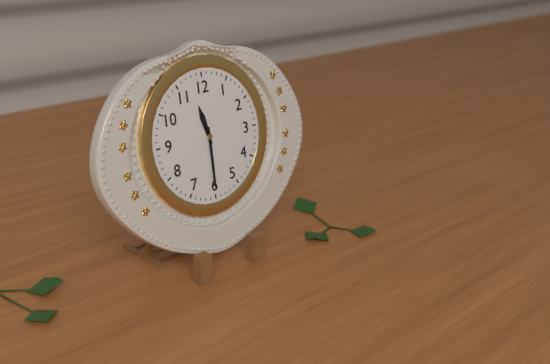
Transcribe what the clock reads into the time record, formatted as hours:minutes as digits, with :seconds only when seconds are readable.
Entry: 11:30
